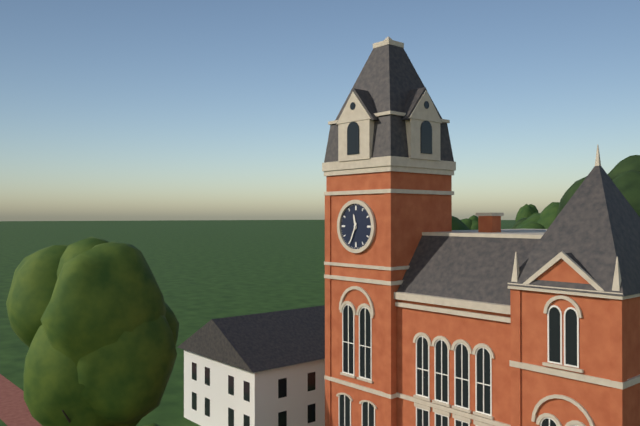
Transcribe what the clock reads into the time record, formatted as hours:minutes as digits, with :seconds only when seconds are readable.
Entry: 11:34
